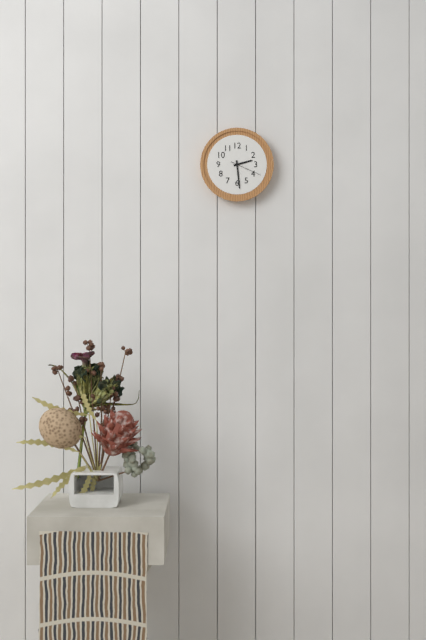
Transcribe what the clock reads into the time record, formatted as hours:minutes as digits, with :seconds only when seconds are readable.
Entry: 2:29
